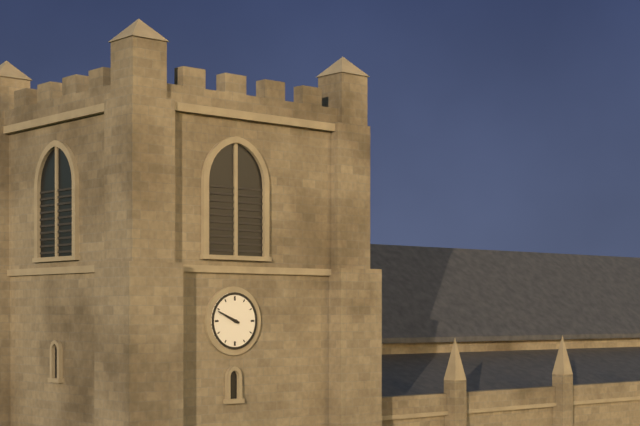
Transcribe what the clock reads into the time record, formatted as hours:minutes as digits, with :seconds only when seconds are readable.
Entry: 9:49
